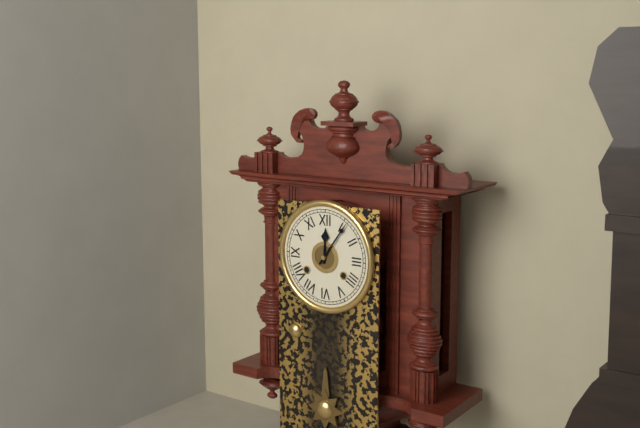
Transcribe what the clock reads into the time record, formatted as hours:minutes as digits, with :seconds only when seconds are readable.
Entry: 12:06
